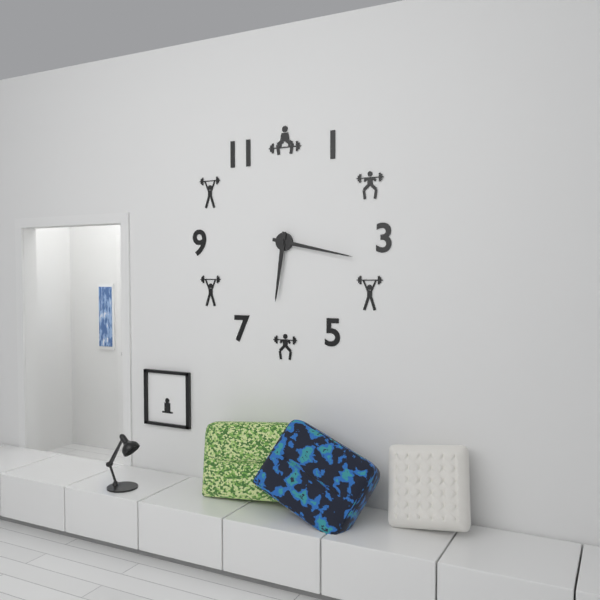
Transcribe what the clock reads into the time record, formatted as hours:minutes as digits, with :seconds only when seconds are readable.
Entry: 6:17
